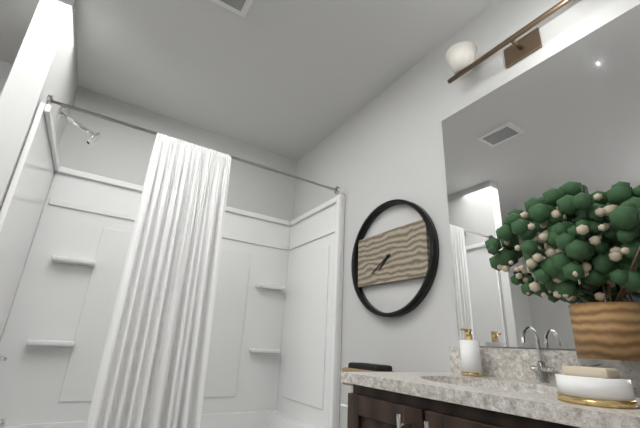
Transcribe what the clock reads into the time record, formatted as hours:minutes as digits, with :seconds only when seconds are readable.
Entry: 7:40
